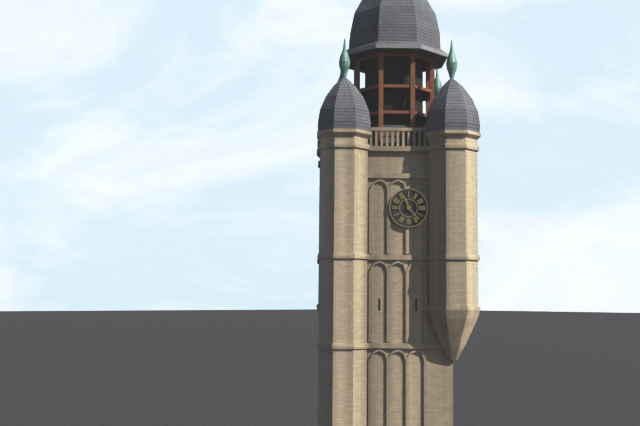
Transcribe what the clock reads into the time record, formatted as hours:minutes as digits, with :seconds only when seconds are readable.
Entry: 11:23
